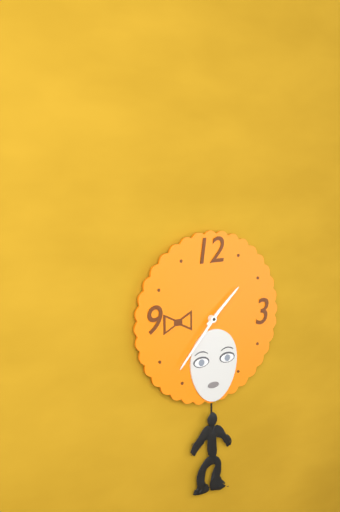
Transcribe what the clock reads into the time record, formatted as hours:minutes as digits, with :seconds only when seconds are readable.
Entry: 1:37
